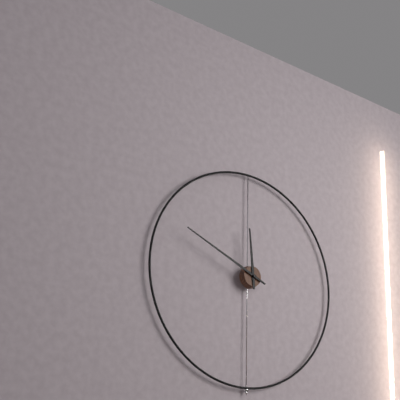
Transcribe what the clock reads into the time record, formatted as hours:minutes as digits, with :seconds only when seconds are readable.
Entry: 11:49
